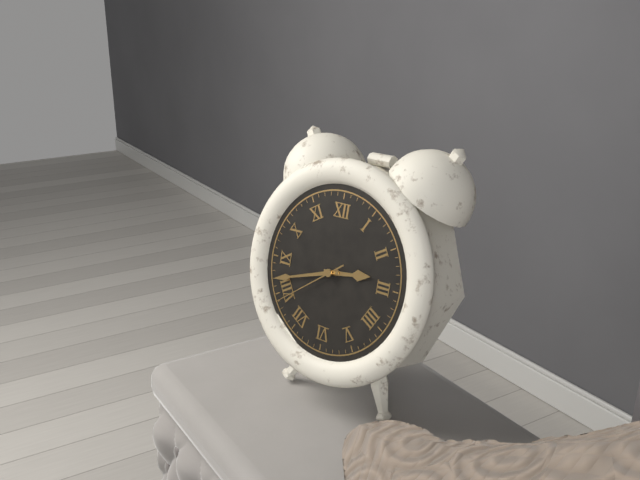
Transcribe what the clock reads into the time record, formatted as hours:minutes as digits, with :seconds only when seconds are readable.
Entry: 2:42:39
